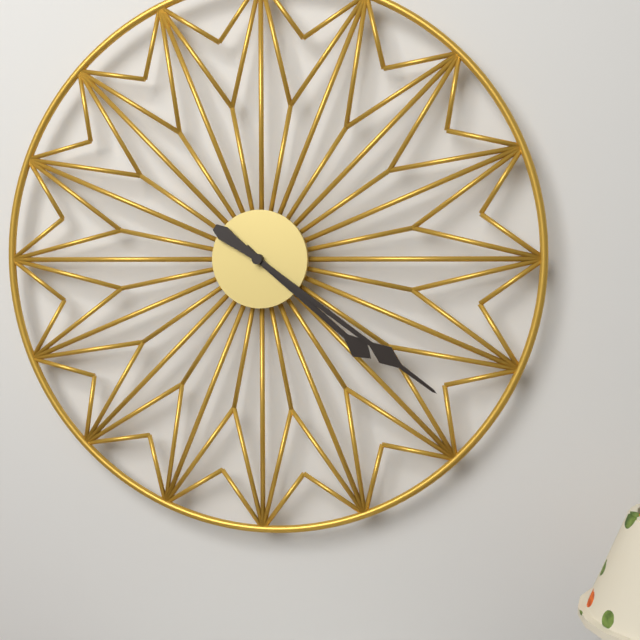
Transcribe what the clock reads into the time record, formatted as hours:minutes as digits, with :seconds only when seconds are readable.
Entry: 4:21
